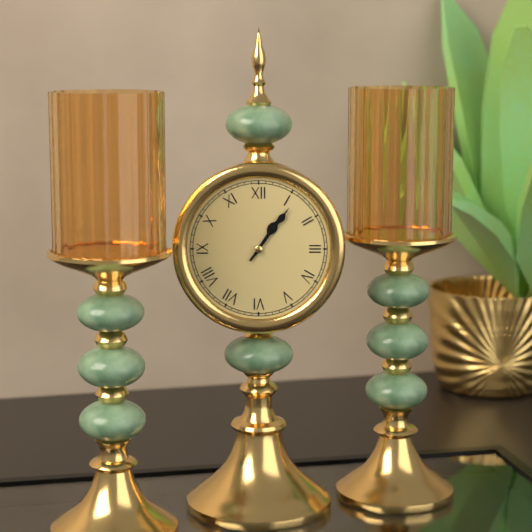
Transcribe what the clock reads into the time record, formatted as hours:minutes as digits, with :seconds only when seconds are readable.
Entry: 1:06
